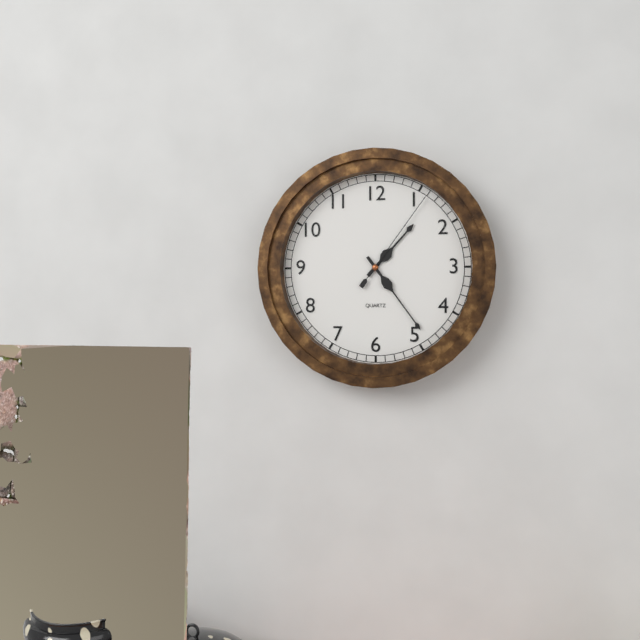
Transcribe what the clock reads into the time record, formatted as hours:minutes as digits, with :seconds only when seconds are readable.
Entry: 1:24:06
